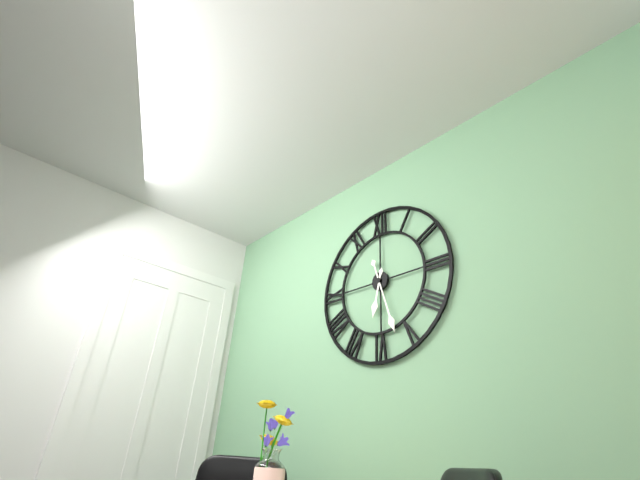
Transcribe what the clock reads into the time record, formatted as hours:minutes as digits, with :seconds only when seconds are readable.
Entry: 6:27
